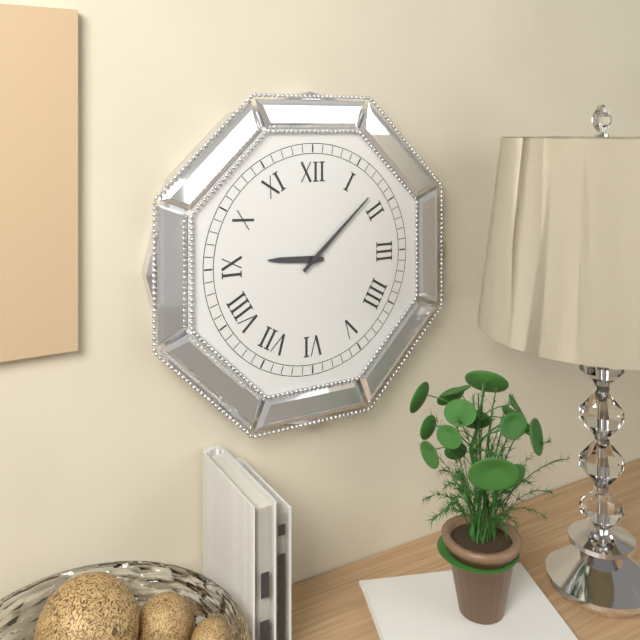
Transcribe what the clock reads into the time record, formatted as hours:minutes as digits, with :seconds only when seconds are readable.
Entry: 9:08
